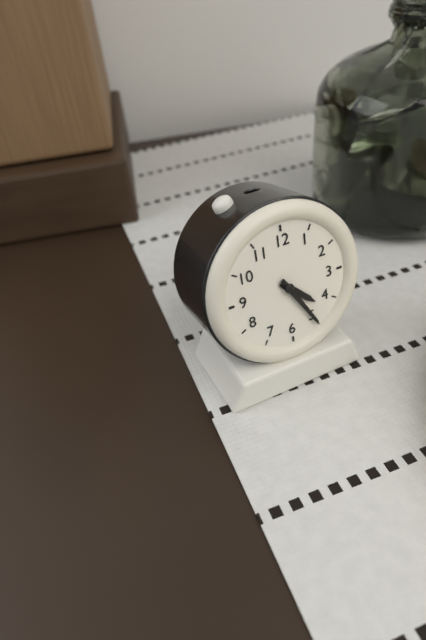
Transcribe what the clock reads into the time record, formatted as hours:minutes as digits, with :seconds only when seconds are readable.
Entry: 4:25
